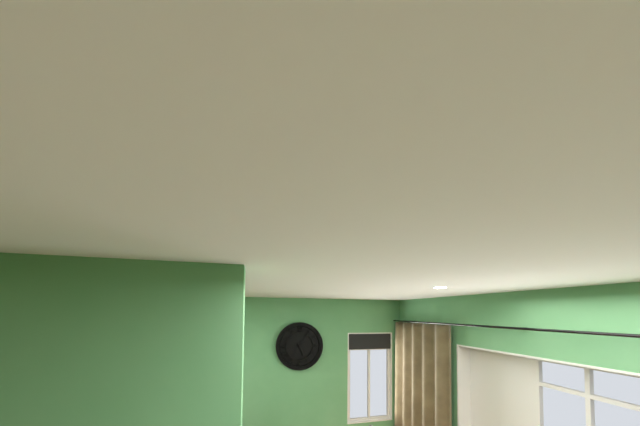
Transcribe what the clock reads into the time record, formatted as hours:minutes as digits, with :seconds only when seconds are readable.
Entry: 5:06
